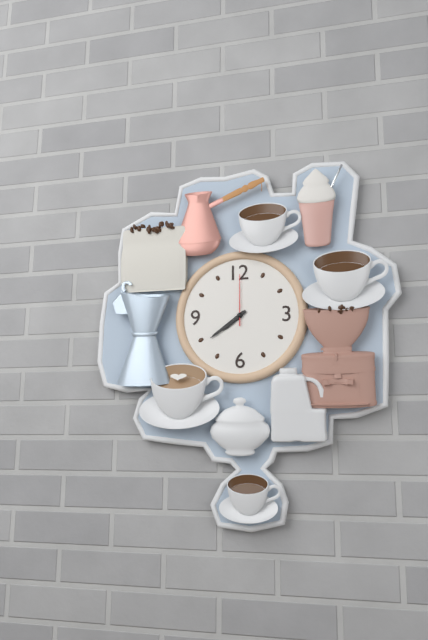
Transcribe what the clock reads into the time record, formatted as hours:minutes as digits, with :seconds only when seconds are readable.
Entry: 7:39:00
